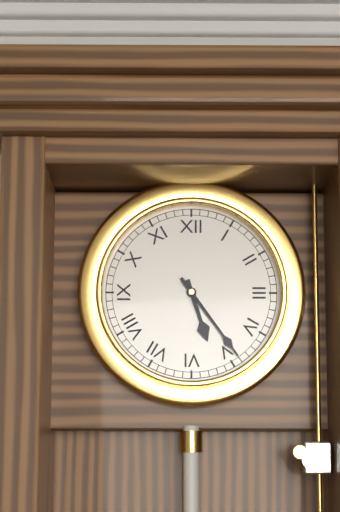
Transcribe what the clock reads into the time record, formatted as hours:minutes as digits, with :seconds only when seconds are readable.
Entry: 5:24
